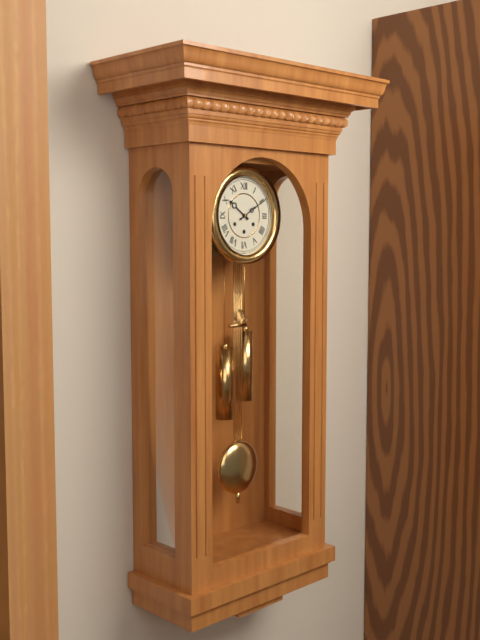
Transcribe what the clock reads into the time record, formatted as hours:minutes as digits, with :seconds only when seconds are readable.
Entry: 10:10
